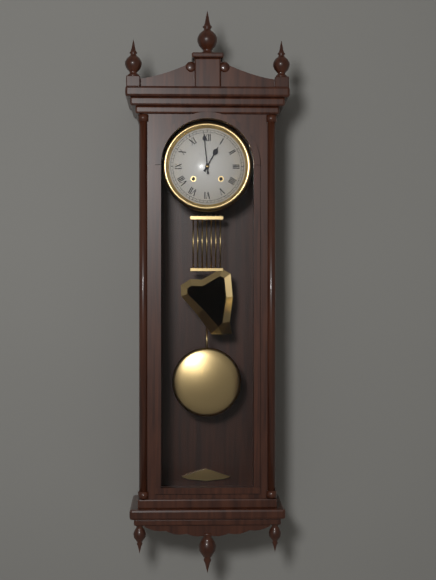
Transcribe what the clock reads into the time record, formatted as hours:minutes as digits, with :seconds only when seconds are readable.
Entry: 12:59
